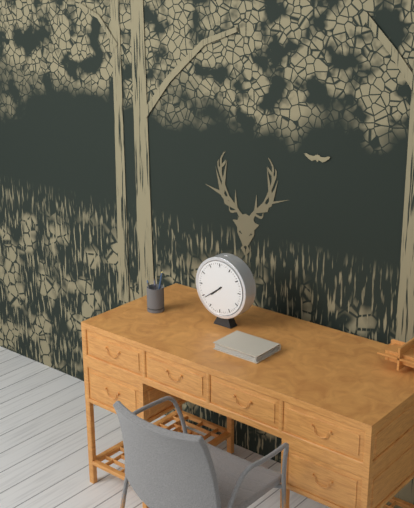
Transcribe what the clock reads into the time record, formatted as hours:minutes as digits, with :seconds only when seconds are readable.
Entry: 7:39
